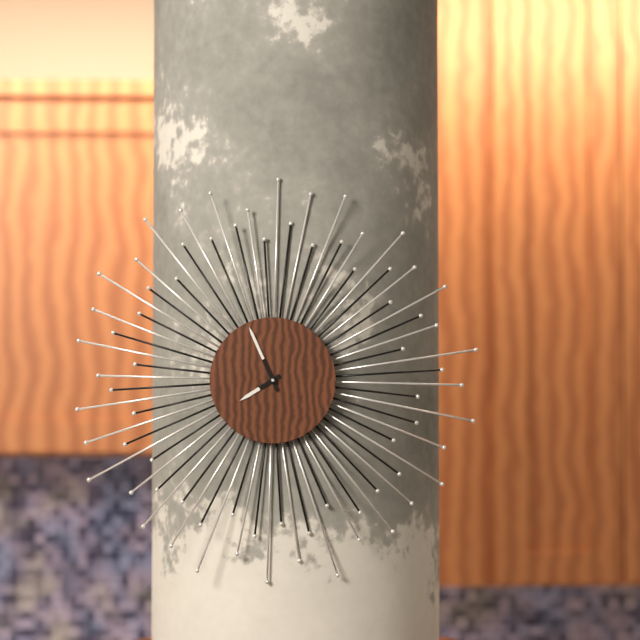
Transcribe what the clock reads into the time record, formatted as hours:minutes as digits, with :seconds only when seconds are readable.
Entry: 7:56
